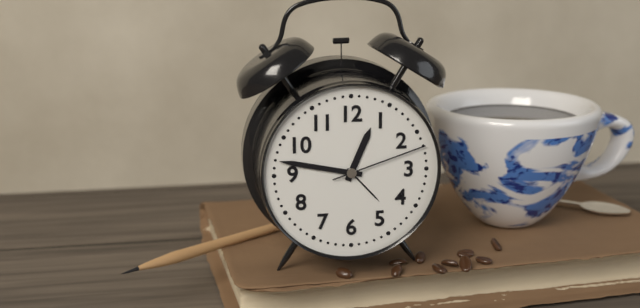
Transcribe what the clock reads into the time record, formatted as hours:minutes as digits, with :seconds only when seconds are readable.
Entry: 12:47:12
